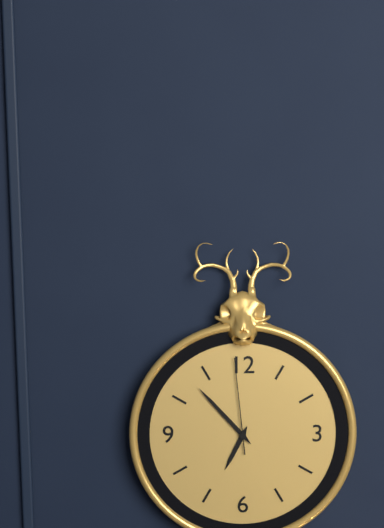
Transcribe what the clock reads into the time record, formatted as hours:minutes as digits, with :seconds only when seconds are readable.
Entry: 6:53:59
